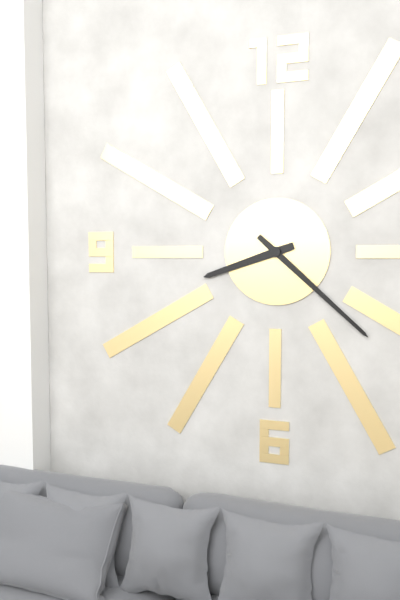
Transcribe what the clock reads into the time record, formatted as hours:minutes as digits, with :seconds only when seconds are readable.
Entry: 8:22
